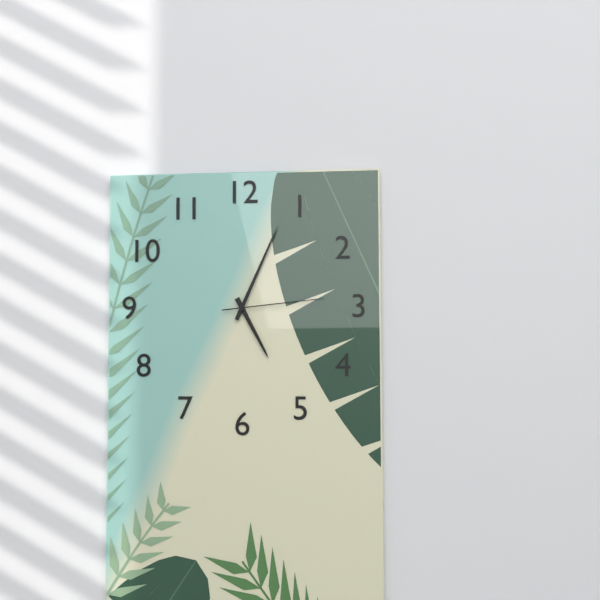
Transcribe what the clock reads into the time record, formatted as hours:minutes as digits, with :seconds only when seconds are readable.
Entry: 5:04:14
